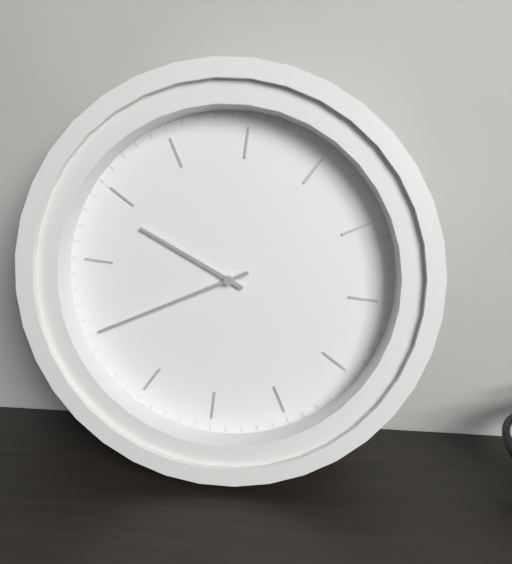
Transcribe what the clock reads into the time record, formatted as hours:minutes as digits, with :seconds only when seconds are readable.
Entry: 10:45
